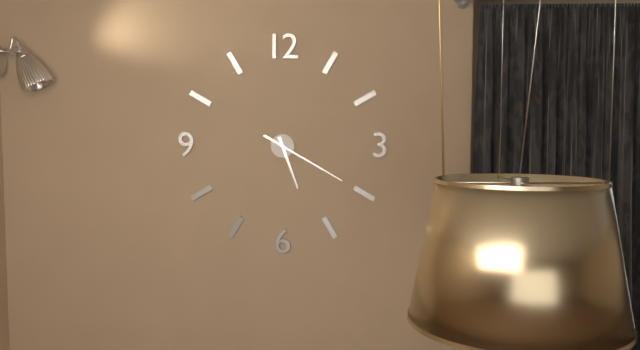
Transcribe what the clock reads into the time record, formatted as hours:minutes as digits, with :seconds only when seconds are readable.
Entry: 5:20
